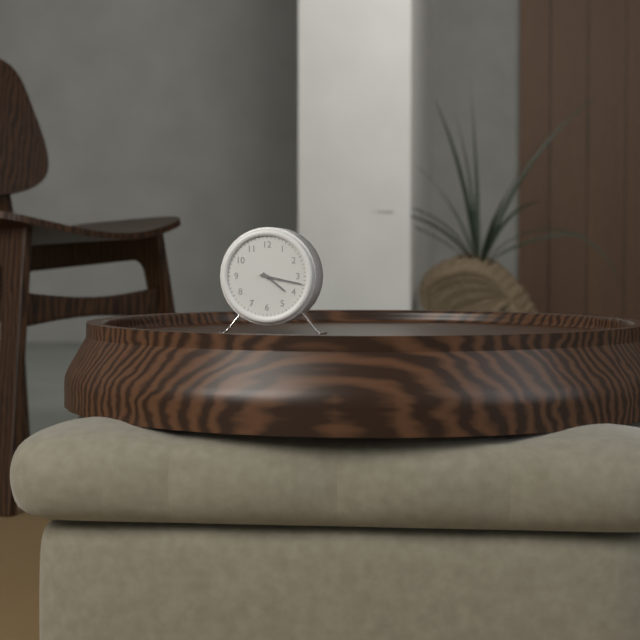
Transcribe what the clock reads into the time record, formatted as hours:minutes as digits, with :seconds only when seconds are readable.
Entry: 4:17
